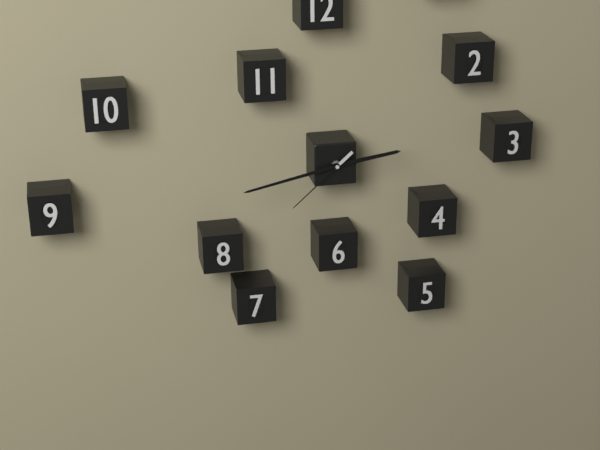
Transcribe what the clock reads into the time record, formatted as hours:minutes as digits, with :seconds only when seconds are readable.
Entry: 2:43:38
